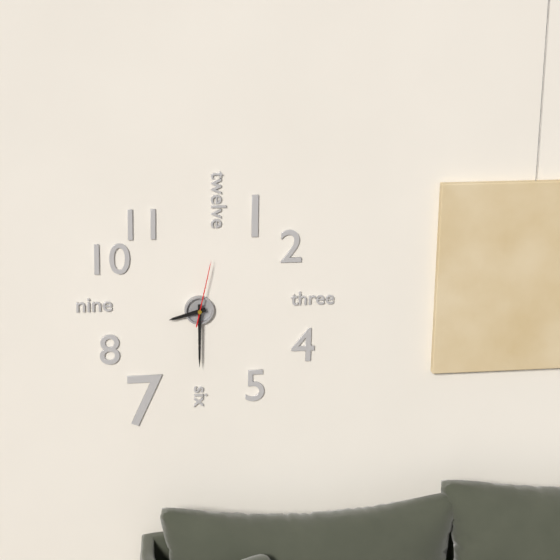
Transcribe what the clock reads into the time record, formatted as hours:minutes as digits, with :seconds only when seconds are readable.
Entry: 8:30:02
